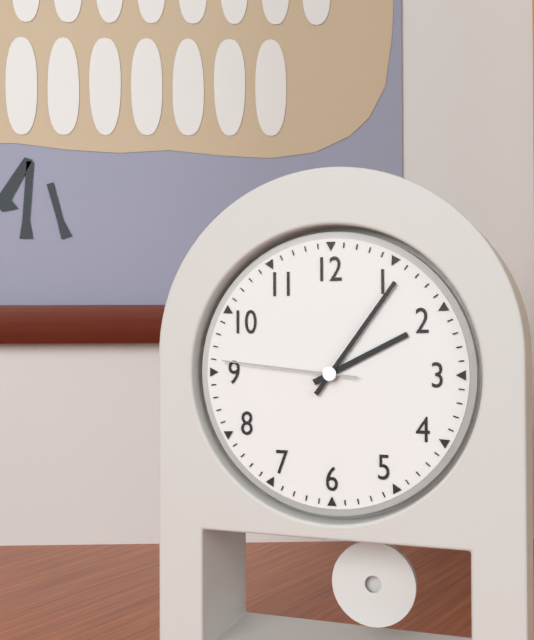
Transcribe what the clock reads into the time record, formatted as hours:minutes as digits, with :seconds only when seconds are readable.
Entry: 2:06:46
